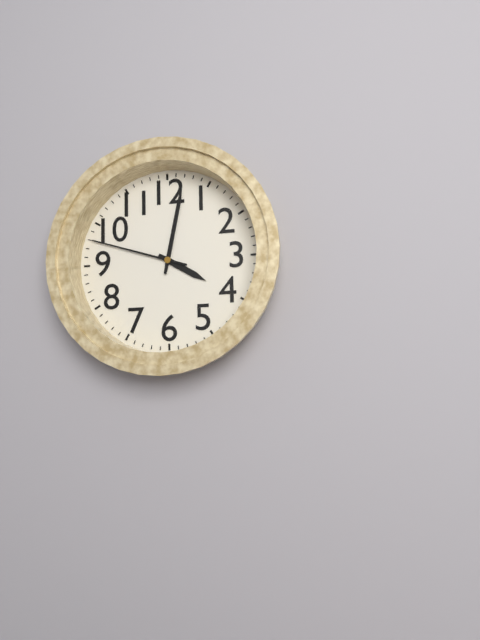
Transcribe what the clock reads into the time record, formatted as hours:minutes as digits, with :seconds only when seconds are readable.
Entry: 4:02:48
